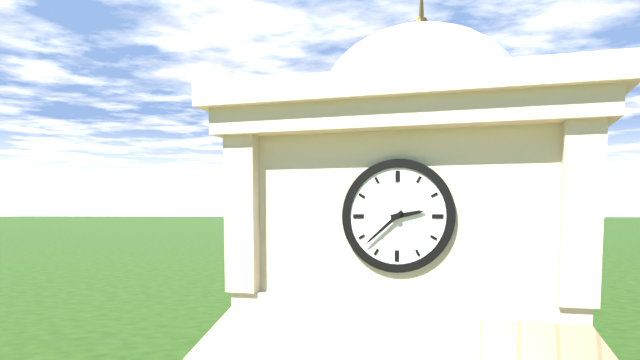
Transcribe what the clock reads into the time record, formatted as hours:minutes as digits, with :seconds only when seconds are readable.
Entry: 2:38
